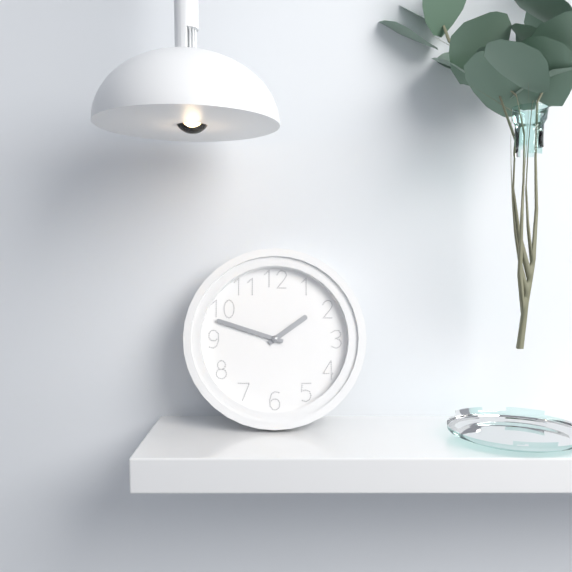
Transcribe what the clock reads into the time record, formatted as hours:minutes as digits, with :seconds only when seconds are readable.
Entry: 1:48
